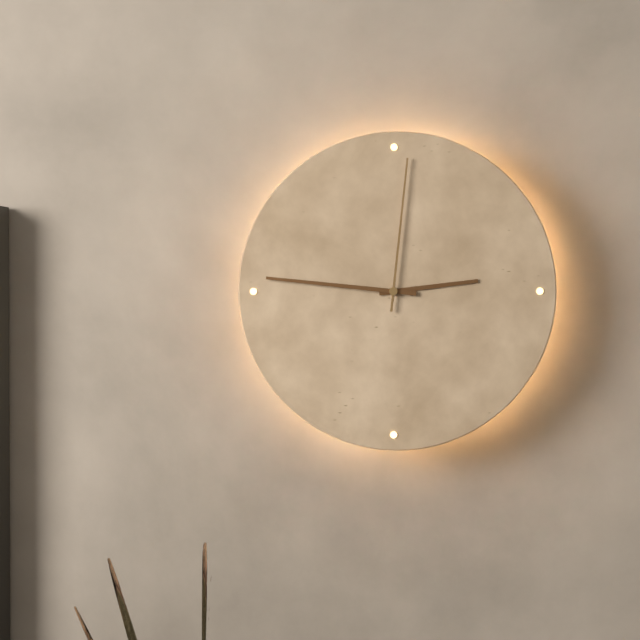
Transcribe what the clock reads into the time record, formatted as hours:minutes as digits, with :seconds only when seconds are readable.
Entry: 2:46:01
